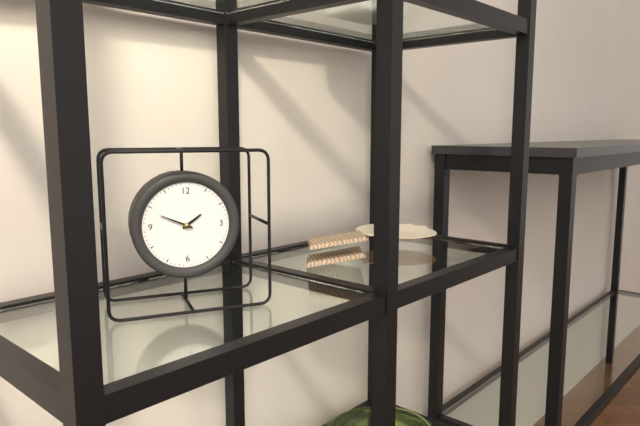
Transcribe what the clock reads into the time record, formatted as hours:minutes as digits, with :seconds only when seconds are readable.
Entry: 1:49
